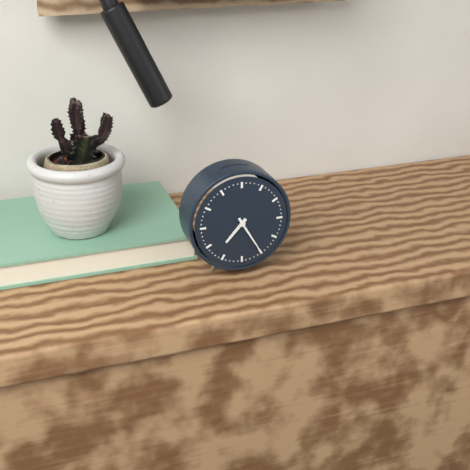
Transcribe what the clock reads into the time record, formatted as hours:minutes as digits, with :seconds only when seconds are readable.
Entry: 7:25
